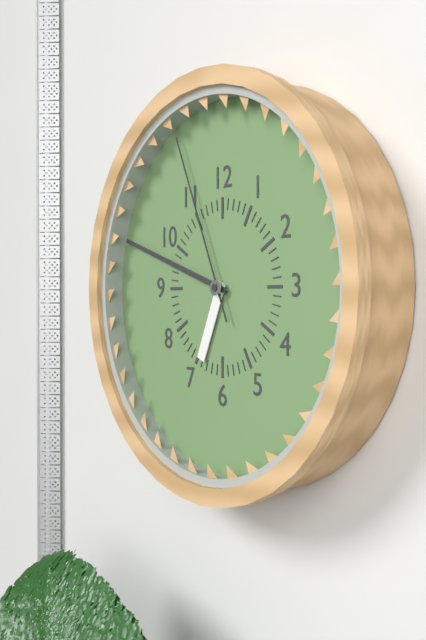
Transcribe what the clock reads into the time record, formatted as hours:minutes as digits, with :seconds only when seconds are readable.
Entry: 6:48:56
